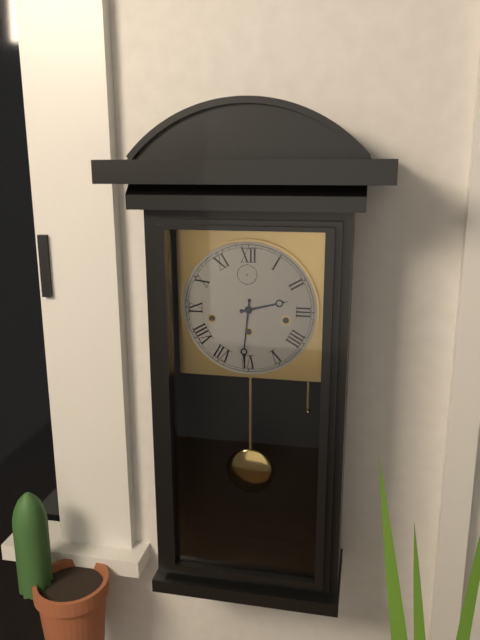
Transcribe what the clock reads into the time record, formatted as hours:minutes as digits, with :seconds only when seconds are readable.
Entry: 2:31
